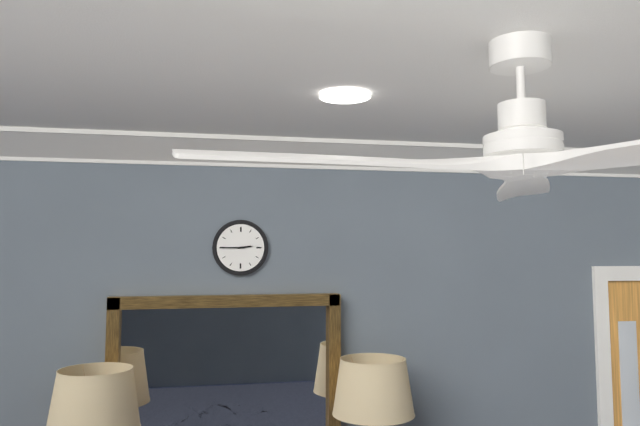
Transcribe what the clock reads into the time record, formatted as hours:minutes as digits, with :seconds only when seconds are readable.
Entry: 2:45
